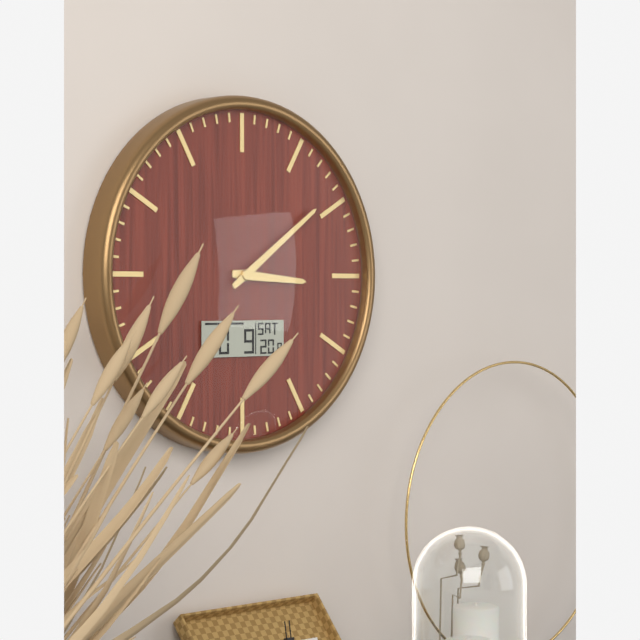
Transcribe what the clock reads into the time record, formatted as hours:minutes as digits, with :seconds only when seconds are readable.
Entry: 3:09
